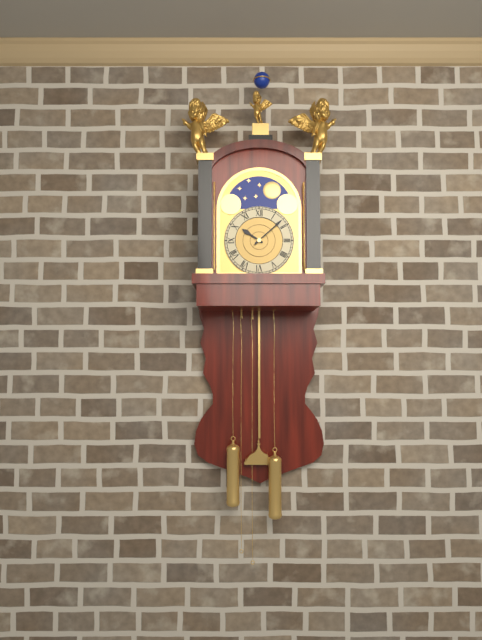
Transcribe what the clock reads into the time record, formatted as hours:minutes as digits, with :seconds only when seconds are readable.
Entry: 10:08
